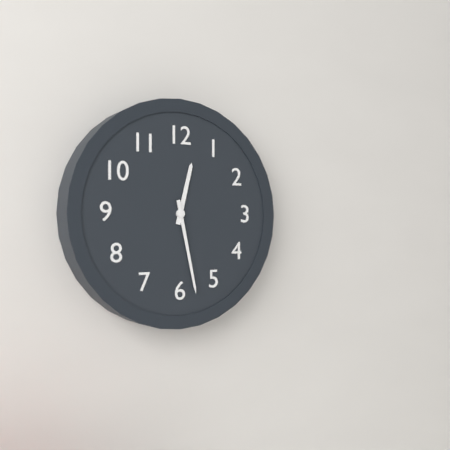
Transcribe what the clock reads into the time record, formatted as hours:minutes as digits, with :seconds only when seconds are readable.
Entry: 12:28
